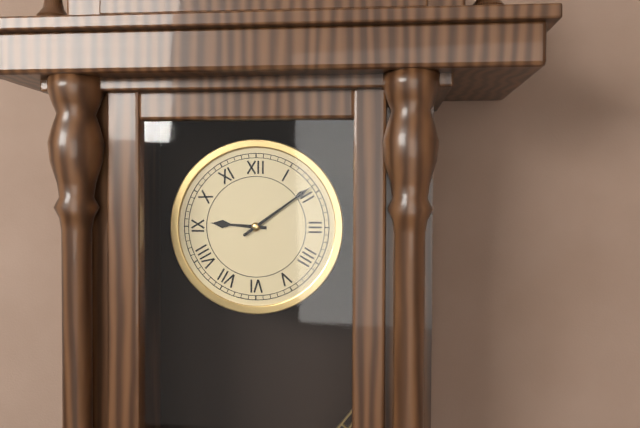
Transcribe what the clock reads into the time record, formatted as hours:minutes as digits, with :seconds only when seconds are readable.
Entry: 9:09
